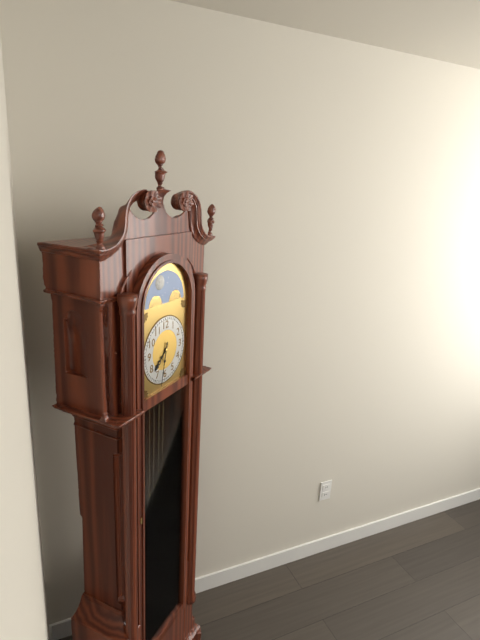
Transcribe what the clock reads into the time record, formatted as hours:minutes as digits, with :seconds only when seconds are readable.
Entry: 7:32
